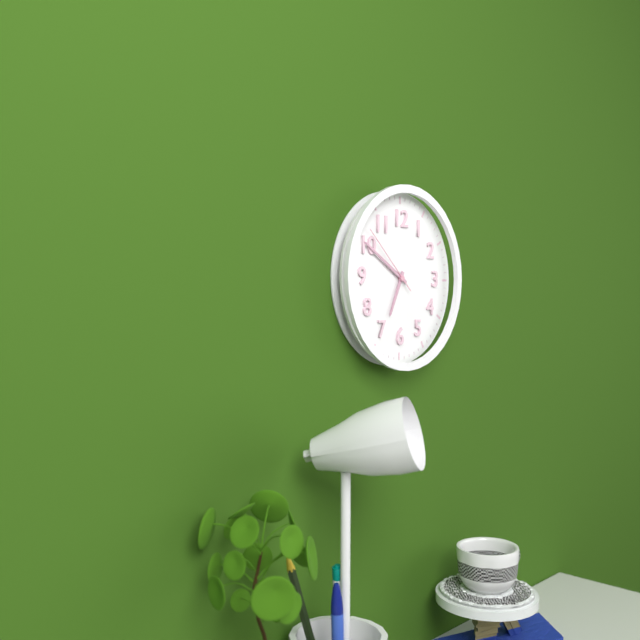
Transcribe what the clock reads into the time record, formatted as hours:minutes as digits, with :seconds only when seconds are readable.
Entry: 6:50:52
